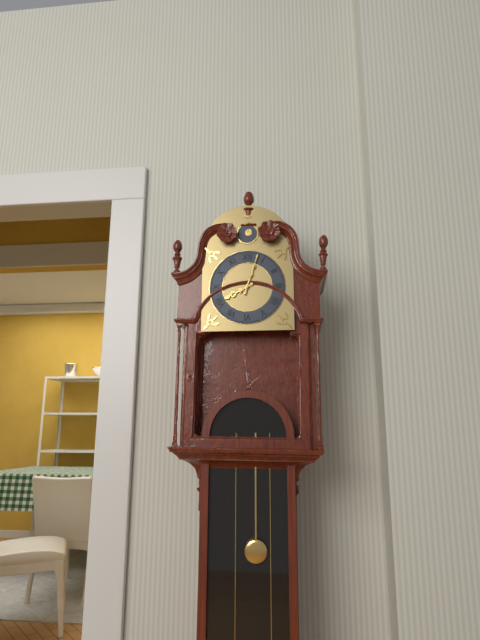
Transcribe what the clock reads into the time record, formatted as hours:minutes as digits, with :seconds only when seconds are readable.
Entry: 8:03
